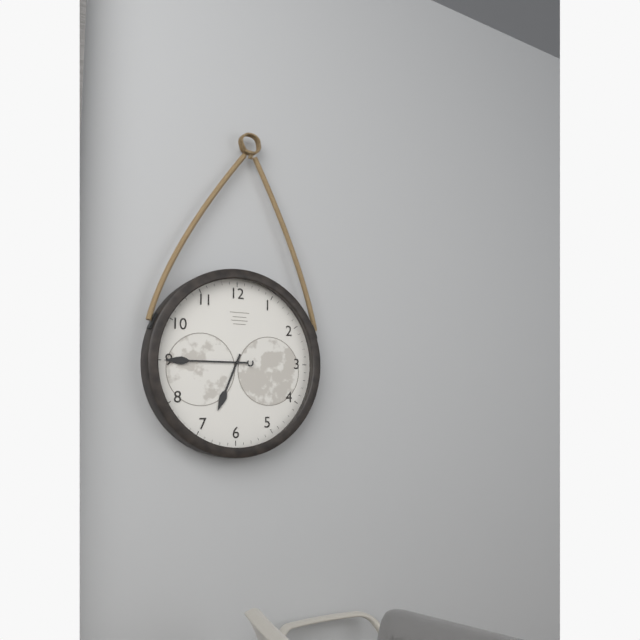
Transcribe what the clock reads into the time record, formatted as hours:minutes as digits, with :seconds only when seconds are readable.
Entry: 6:45
